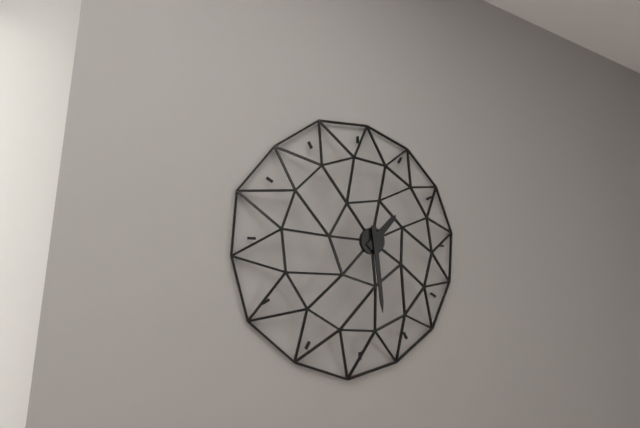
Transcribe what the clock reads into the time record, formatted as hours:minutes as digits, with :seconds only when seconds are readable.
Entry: 1:29
